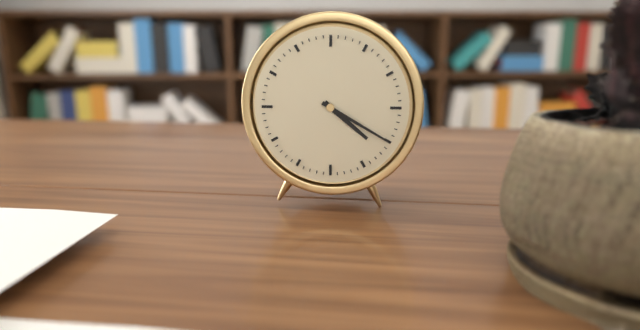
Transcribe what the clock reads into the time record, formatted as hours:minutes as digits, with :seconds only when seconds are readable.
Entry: 4:20
